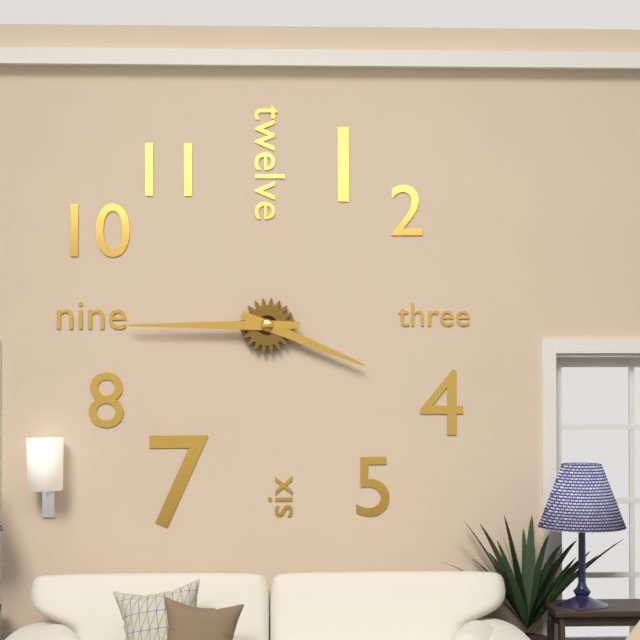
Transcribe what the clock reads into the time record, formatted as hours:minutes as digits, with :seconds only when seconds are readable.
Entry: 3:45
